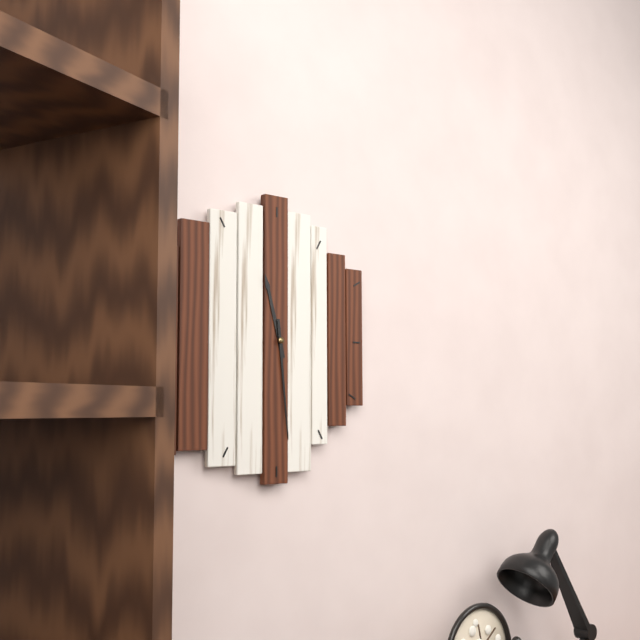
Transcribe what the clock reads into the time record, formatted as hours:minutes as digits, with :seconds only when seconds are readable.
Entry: 11:29
